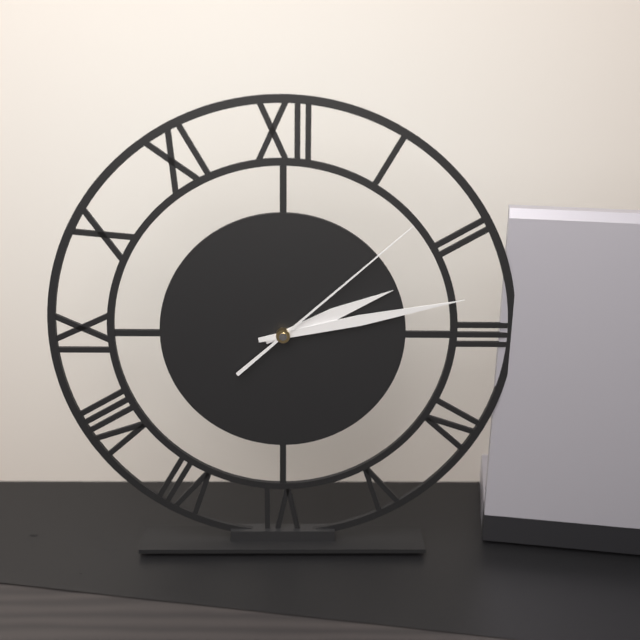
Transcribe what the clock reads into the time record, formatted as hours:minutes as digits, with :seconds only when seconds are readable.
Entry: 2:13:08
